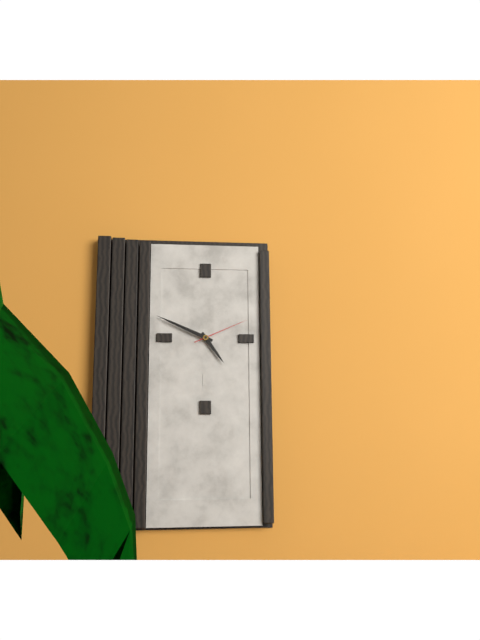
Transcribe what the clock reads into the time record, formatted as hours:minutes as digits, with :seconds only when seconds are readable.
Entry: 4:49:11
